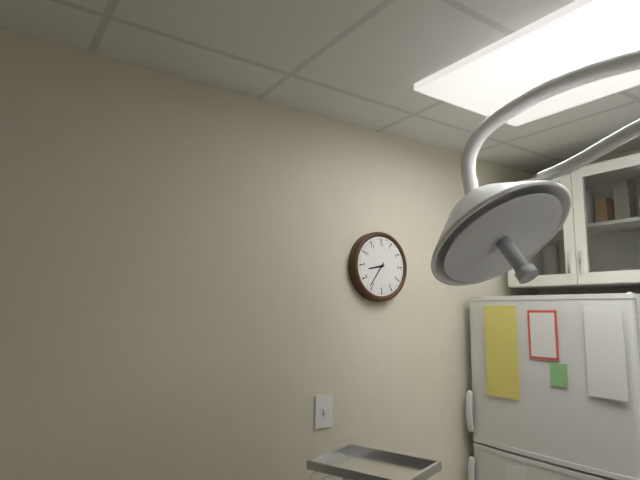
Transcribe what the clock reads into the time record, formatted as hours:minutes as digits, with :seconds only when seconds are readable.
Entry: 8:36
